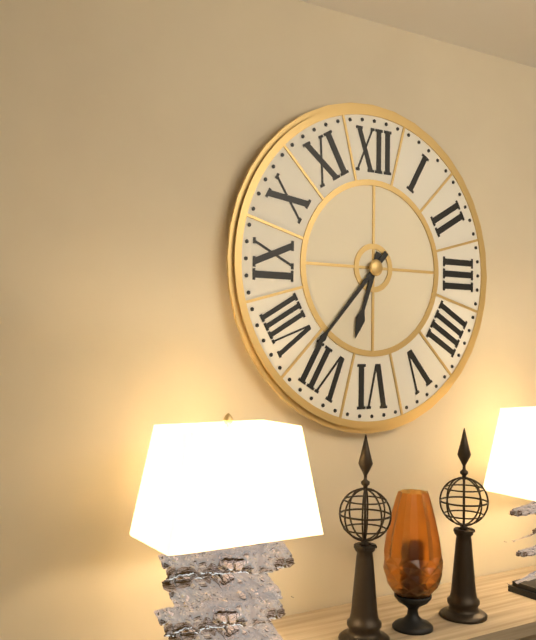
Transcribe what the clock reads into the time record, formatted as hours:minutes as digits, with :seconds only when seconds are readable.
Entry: 6:37
